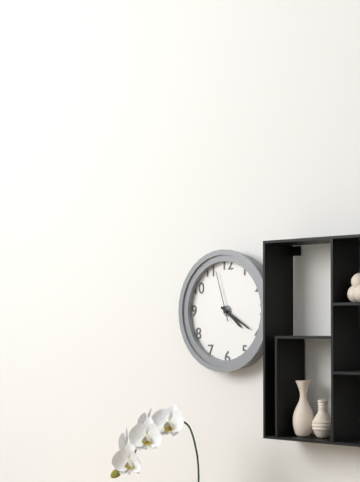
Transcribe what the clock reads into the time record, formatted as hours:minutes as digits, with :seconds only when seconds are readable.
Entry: 4:20:57
